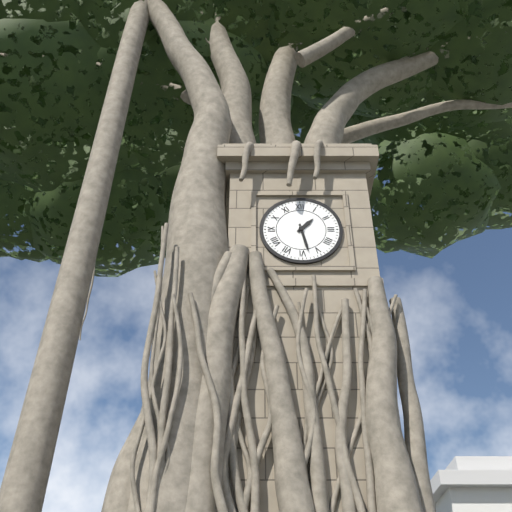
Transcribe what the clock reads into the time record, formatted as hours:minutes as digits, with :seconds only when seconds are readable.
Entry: 1:28
